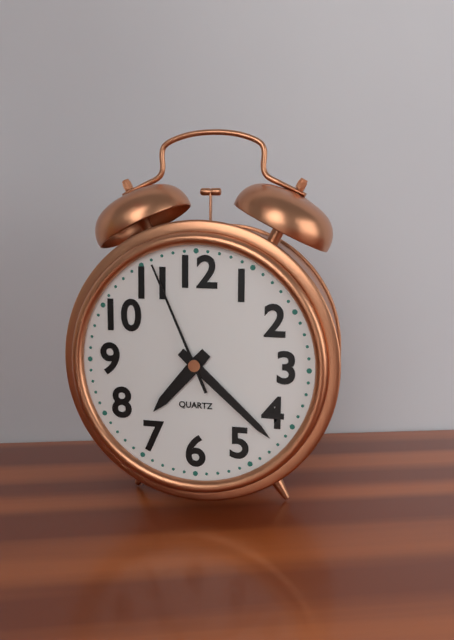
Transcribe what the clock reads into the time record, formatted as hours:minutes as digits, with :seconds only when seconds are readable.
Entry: 7:22:56
